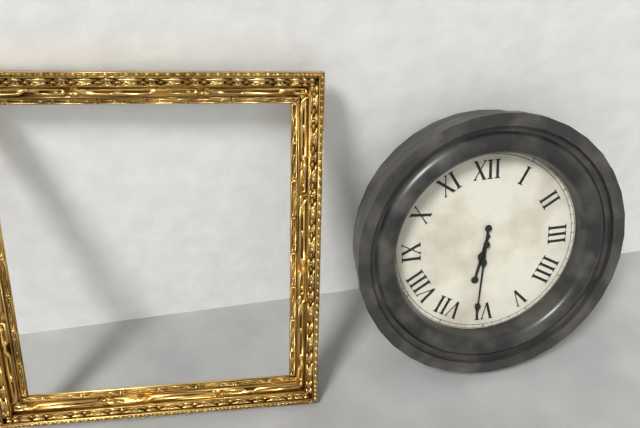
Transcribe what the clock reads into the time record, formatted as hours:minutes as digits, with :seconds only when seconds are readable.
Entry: 6:31
